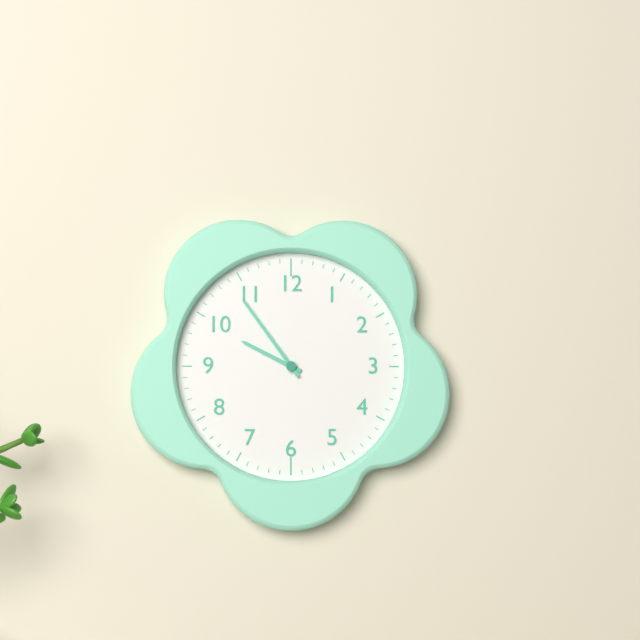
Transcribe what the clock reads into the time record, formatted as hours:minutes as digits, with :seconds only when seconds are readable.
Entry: 9:54
